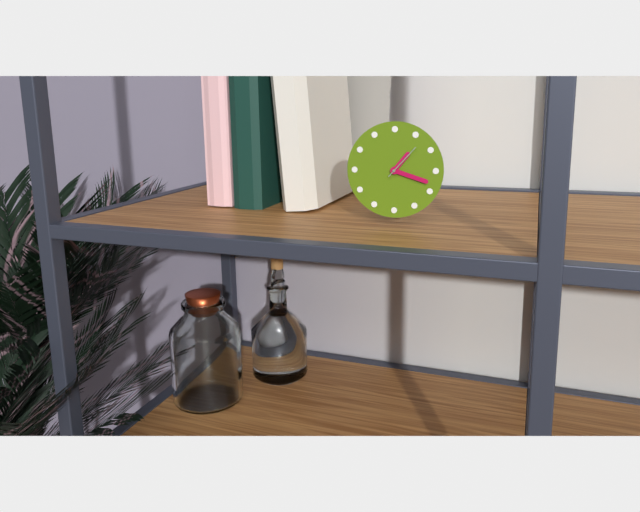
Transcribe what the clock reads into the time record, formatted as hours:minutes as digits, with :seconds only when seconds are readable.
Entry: 1:18
